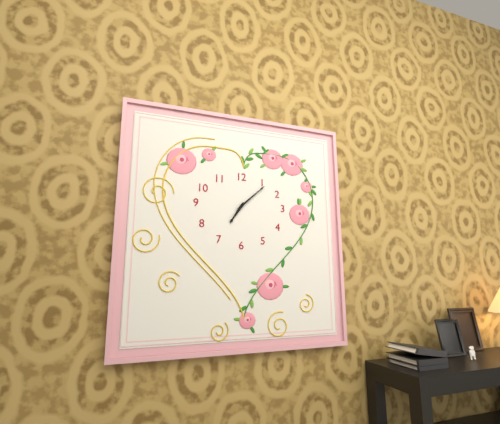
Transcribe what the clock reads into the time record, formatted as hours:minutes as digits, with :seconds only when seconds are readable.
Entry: 7:08
